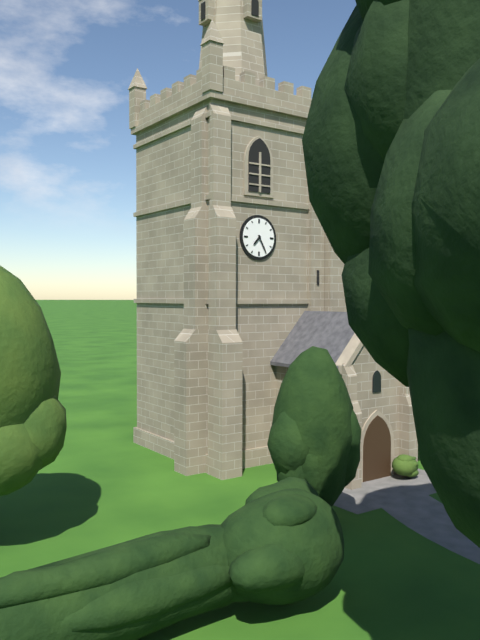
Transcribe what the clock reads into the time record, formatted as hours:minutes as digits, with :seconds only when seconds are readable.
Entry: 7:25
